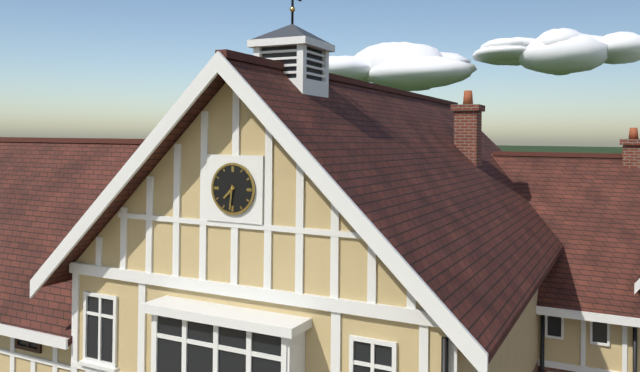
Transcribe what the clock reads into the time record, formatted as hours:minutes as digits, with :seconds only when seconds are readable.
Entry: 7:31
